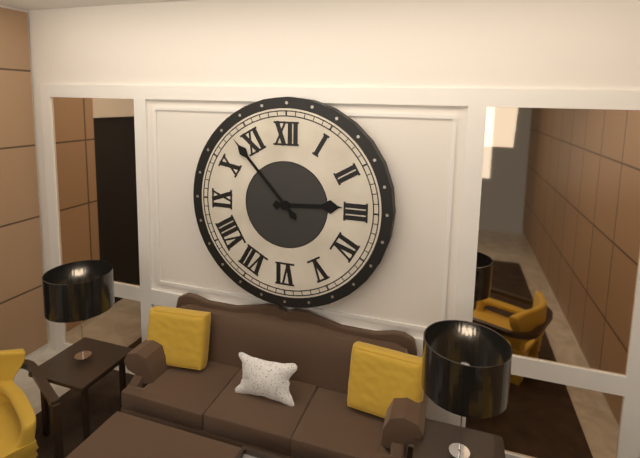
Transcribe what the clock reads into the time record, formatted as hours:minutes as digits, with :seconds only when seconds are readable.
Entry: 2:53
